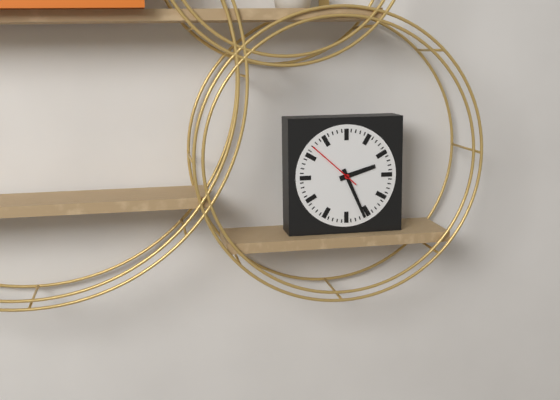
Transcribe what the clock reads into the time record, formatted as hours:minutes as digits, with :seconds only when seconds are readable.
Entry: 2:26:52
